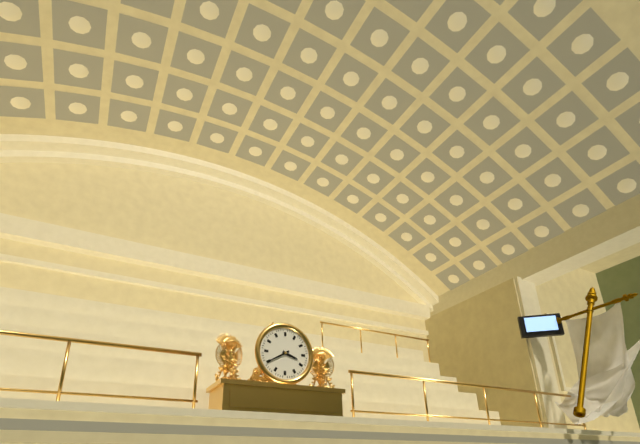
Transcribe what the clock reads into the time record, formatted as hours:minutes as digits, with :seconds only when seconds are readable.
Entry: 3:40
